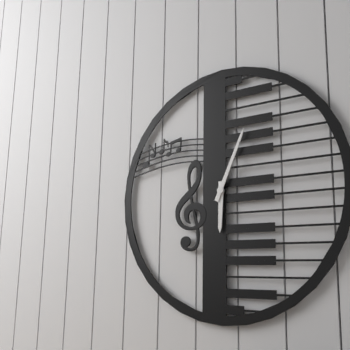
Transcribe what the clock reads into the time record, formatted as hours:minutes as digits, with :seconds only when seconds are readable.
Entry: 6:04
